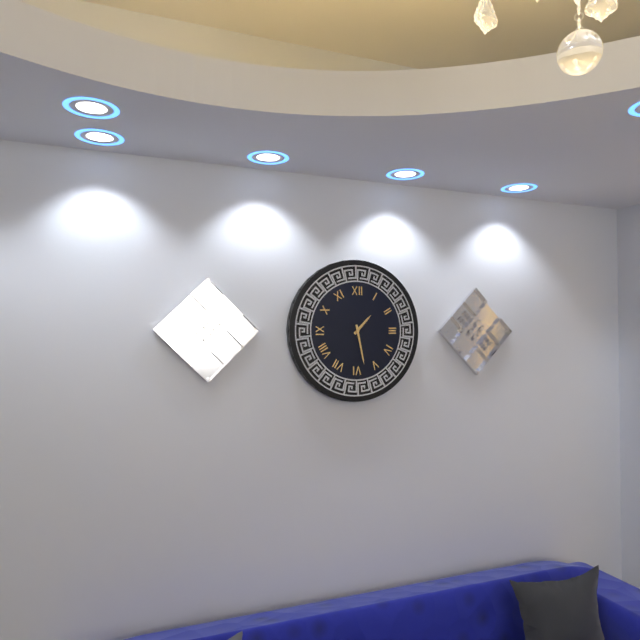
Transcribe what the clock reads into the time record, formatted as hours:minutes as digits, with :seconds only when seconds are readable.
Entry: 1:28
